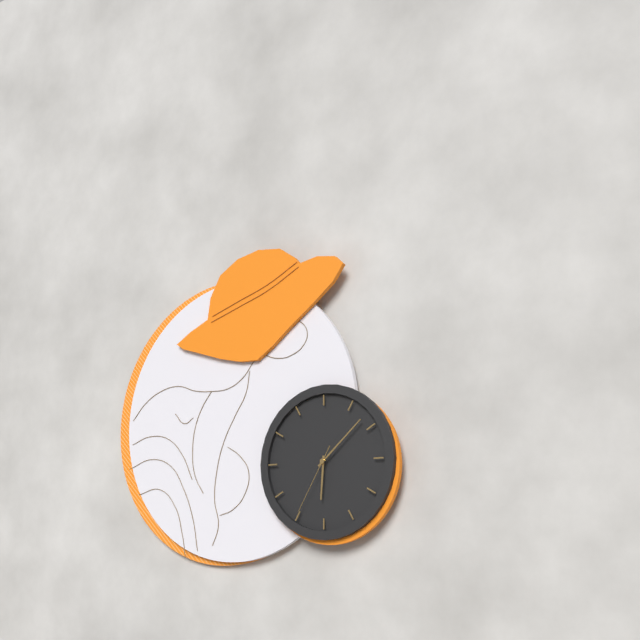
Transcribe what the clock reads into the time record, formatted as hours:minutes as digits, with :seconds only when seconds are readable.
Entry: 6:08:35
